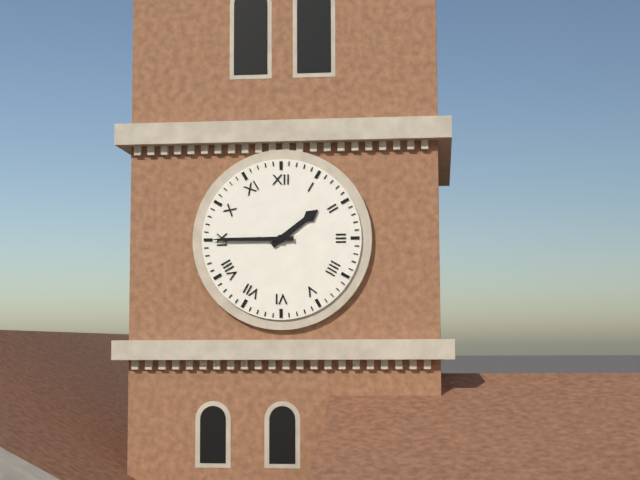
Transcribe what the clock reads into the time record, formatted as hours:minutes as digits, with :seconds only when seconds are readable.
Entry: 1:45
